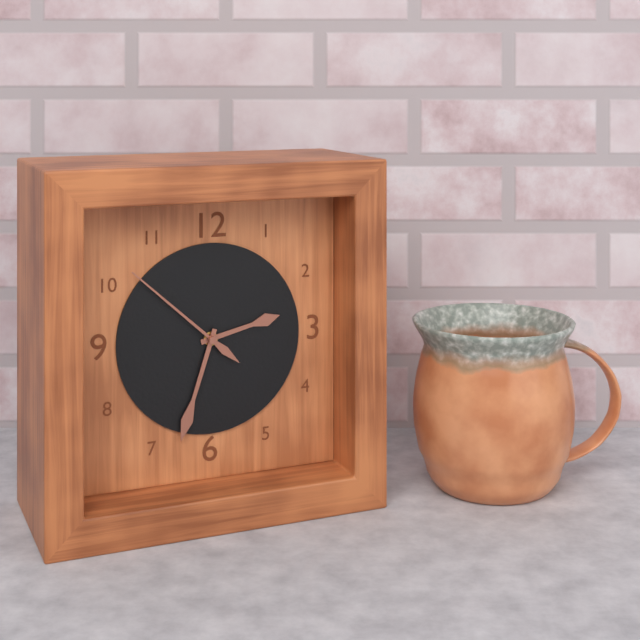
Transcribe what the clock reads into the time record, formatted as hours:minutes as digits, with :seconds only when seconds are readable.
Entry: 2:33:52
